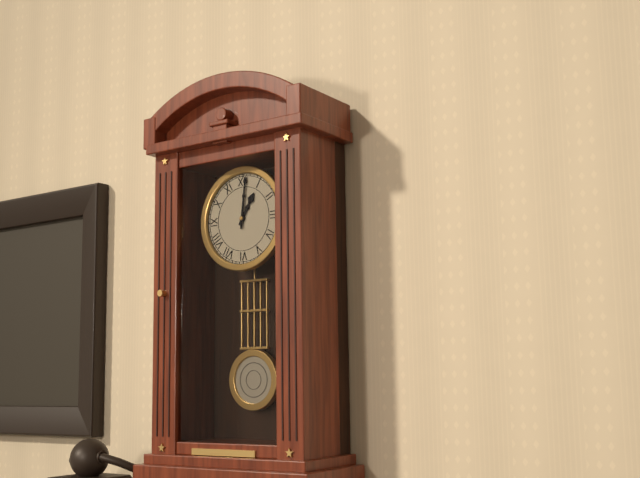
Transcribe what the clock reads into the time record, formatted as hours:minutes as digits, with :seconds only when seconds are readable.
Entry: 1:01
